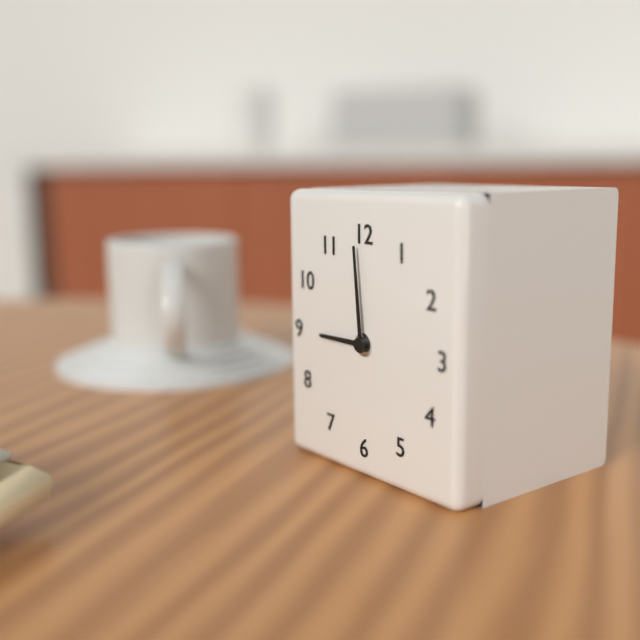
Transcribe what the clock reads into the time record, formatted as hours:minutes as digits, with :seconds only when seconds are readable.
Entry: 8:59
